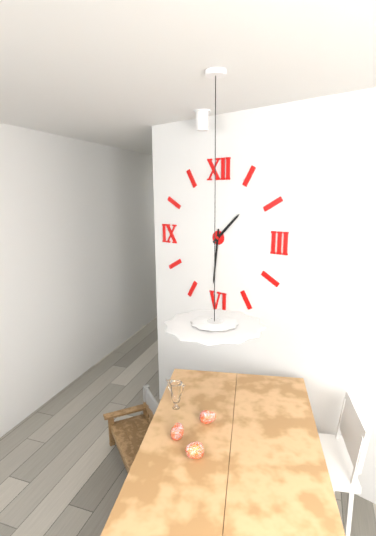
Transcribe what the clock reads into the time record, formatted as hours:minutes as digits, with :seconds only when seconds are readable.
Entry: 1:31
